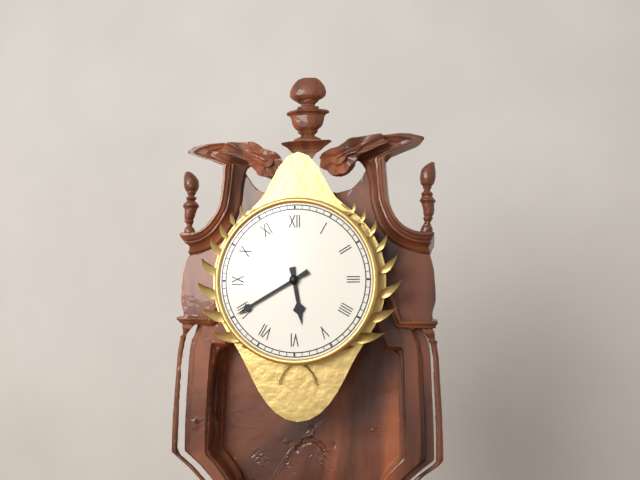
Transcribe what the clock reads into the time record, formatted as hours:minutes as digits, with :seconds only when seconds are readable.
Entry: 5:40
